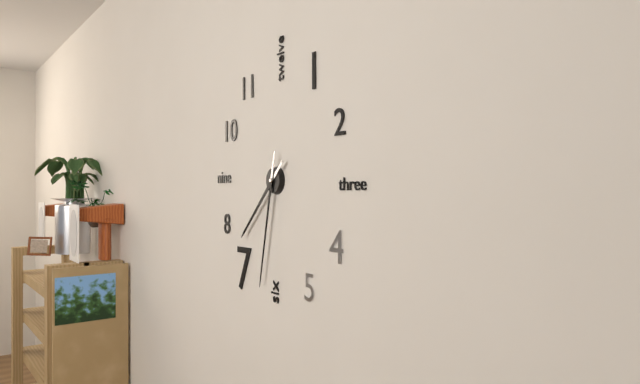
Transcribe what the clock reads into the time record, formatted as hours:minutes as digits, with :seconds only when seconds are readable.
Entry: 7:32
